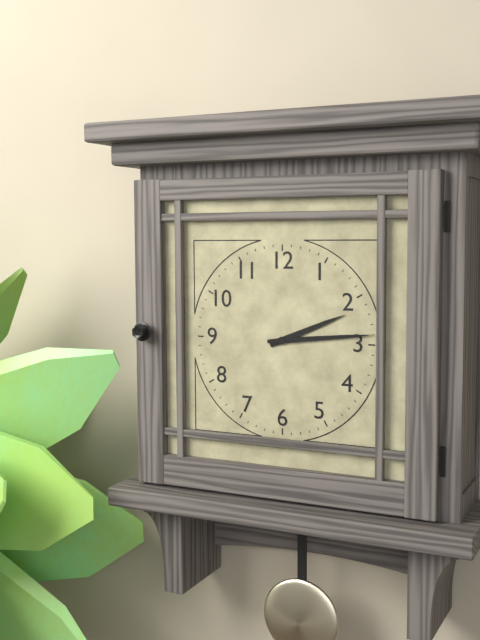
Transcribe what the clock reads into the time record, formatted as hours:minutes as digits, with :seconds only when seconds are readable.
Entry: 2:14
